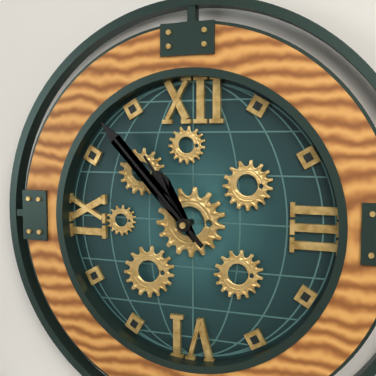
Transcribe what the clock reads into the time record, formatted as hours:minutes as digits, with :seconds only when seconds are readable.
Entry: 10:53
